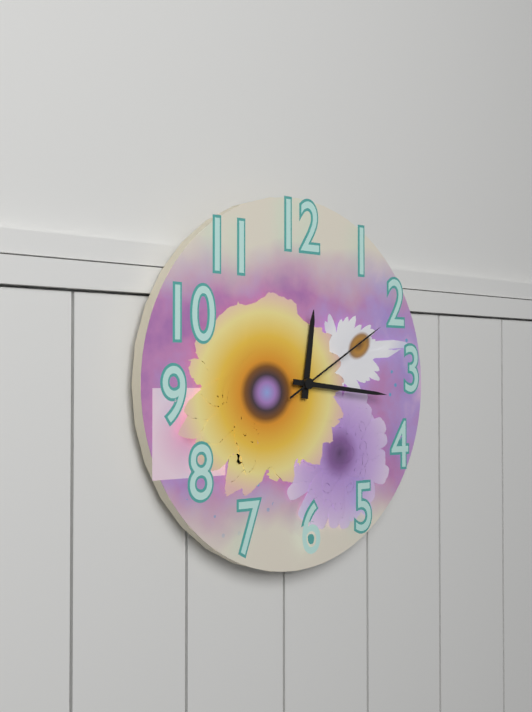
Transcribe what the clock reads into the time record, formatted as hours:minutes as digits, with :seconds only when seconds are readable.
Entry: 12:16:10
